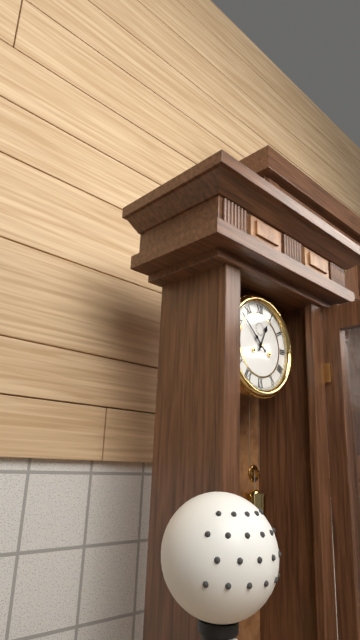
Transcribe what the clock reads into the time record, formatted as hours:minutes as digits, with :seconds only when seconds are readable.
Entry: 12:52
